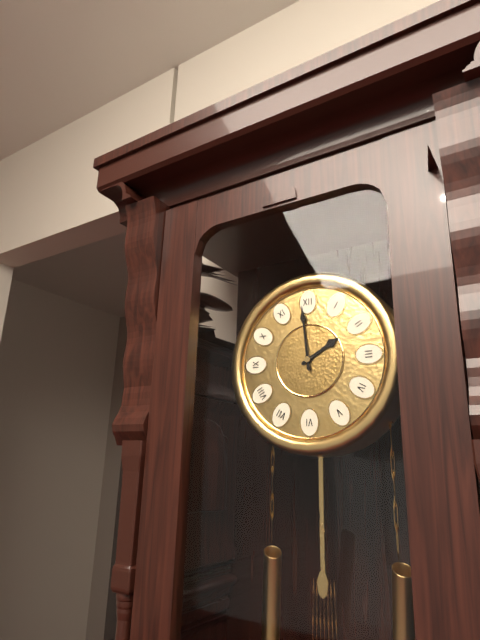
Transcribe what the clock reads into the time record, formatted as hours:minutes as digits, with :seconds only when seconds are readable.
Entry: 1:59
